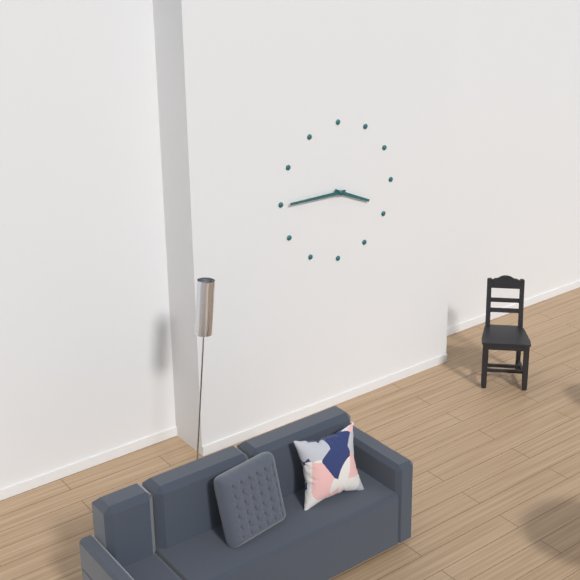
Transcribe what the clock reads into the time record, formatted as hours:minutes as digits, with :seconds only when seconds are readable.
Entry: 3:45
